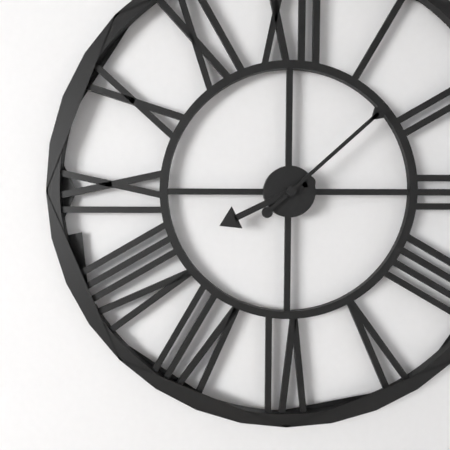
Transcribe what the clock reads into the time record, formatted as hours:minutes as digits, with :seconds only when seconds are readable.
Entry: 8:08
